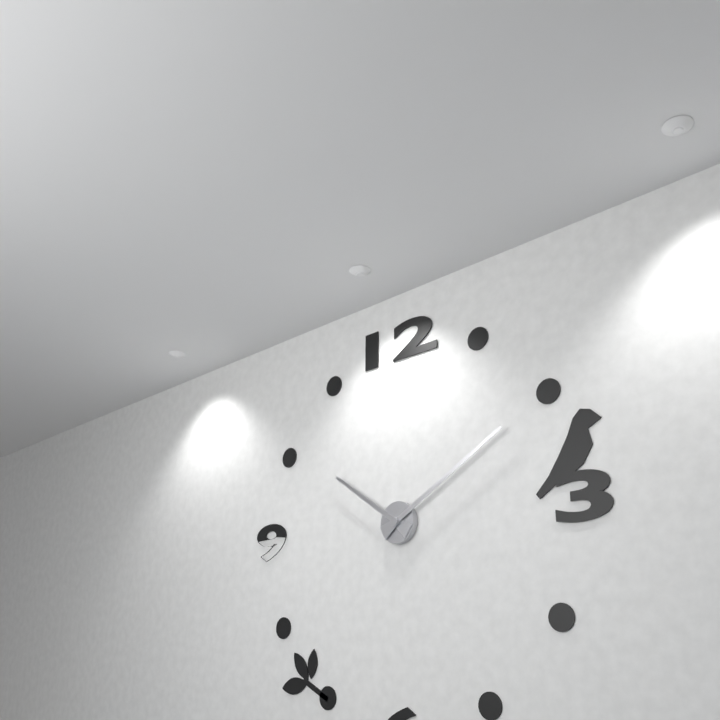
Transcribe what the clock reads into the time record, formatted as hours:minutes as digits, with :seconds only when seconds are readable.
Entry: 10:10
